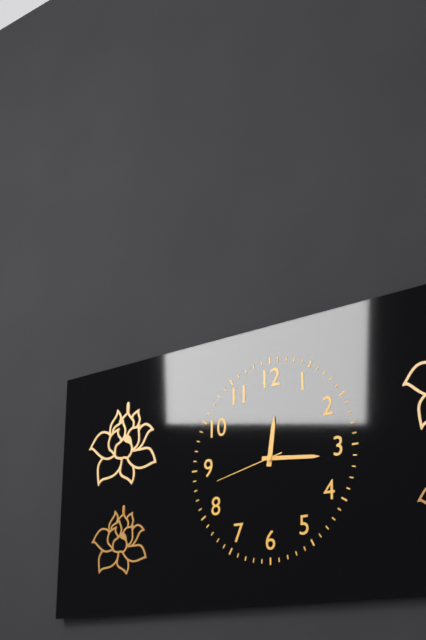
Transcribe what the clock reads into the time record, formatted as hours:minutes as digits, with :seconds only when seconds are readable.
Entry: 12:16:43
